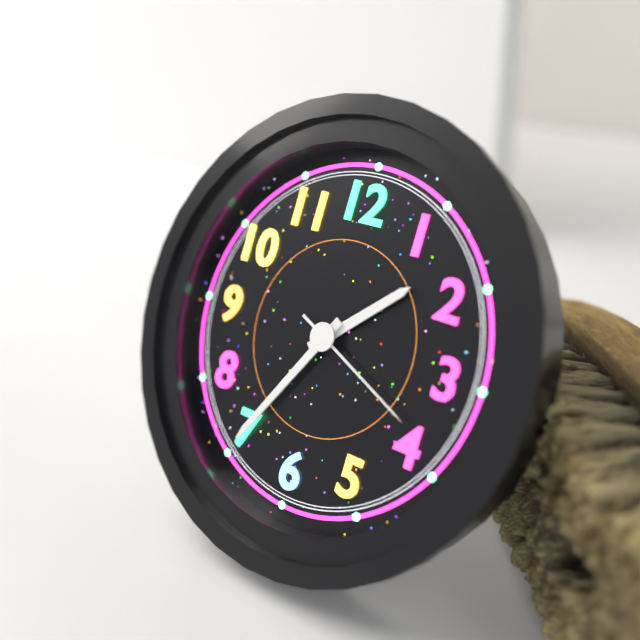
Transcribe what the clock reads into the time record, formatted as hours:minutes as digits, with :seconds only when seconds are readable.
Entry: 1:35:19
